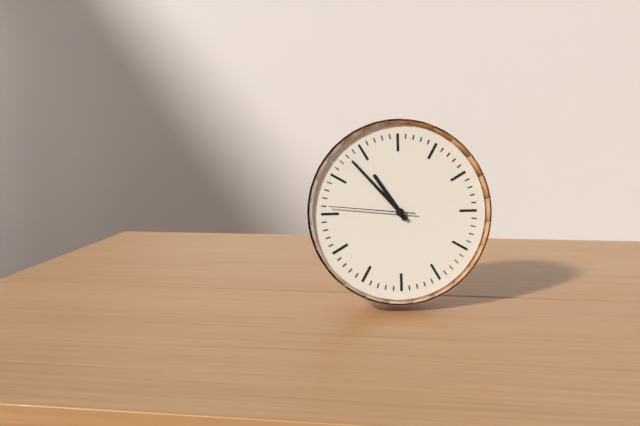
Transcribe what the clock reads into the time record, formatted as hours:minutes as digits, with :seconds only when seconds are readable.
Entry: 10:53:46
